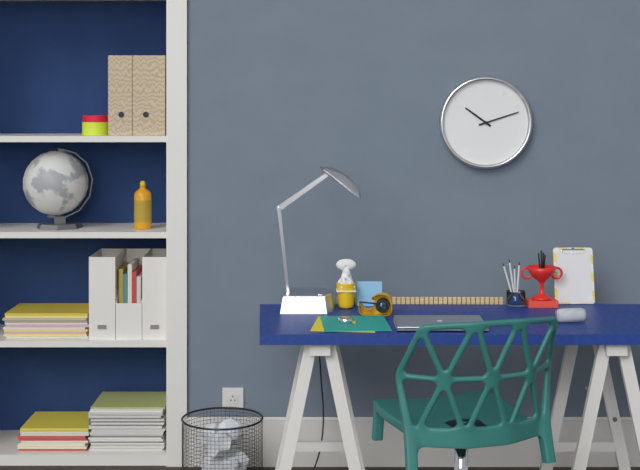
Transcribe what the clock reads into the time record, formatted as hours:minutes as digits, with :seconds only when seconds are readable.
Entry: 10:12
